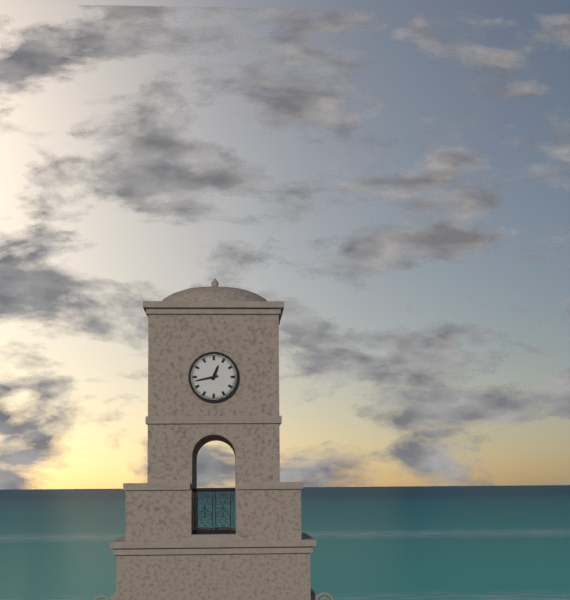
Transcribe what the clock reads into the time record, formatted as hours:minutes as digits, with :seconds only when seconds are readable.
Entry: 12:43
